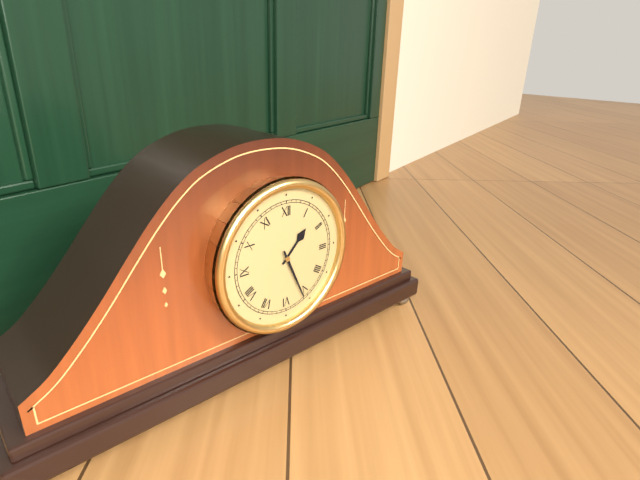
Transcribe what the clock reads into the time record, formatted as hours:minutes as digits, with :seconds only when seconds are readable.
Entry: 1:26
